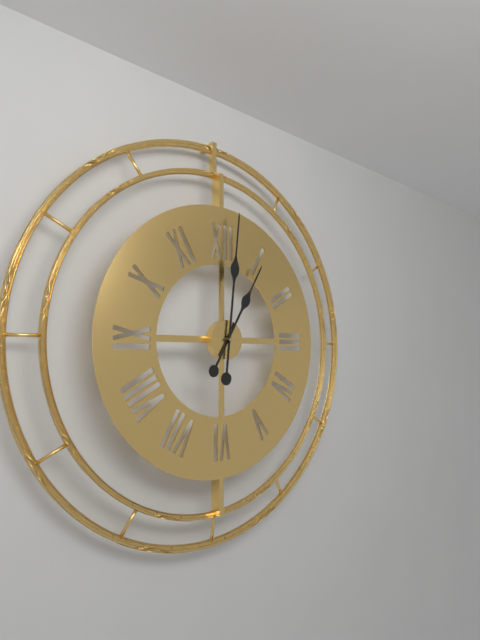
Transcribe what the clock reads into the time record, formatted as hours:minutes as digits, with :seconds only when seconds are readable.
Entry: 1:01
